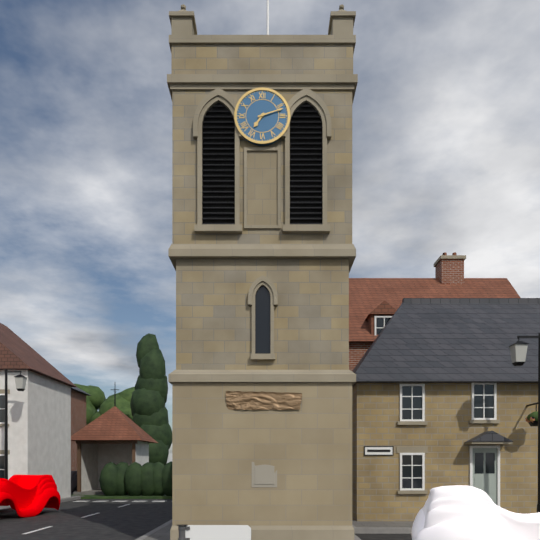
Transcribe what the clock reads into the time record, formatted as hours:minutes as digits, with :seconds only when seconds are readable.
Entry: 7:12
